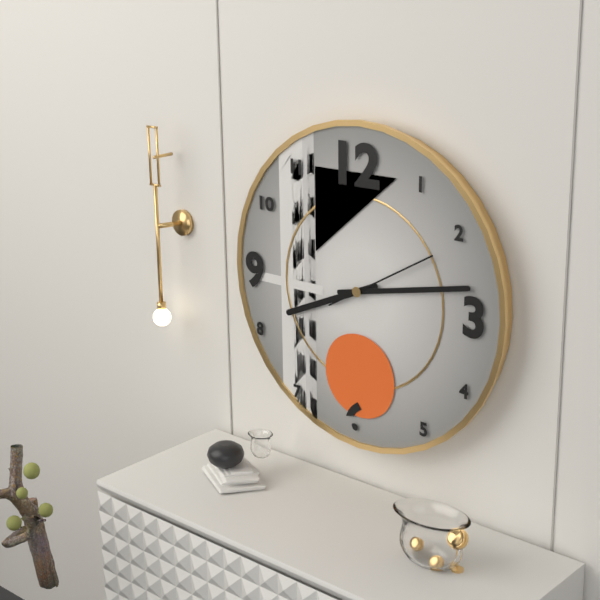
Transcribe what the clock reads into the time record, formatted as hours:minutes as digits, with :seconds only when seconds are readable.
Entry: 8:13:10
